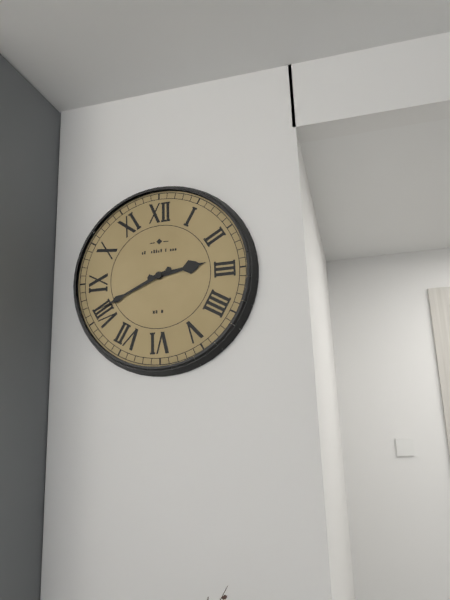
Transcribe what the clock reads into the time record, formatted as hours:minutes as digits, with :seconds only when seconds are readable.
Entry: 2:41
